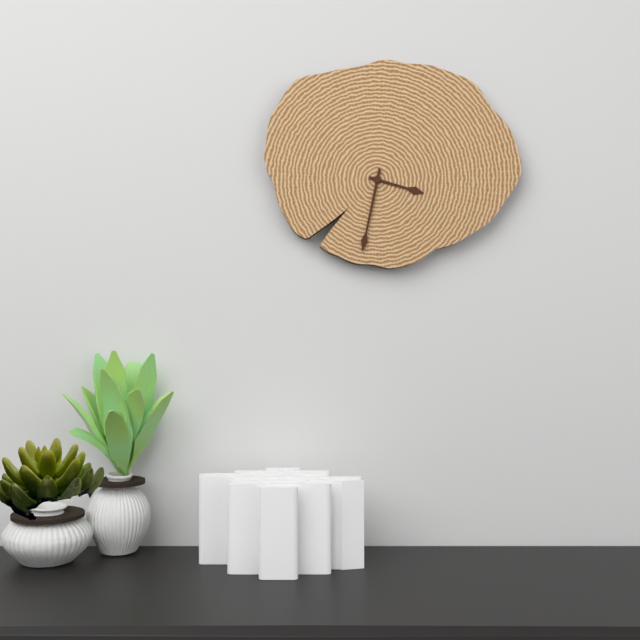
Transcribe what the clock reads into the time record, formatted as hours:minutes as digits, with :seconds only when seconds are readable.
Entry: 3:32
